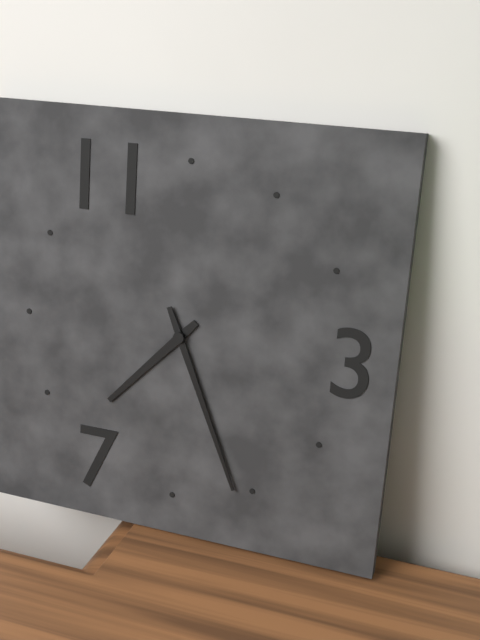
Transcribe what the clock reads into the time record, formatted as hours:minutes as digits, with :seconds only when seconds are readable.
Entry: 7:26
